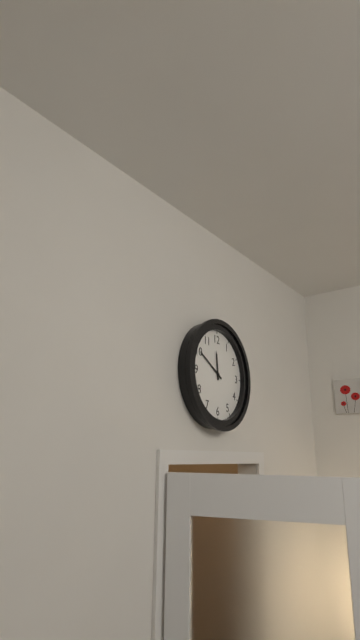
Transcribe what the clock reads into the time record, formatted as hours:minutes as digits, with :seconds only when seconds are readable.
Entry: 11:50
